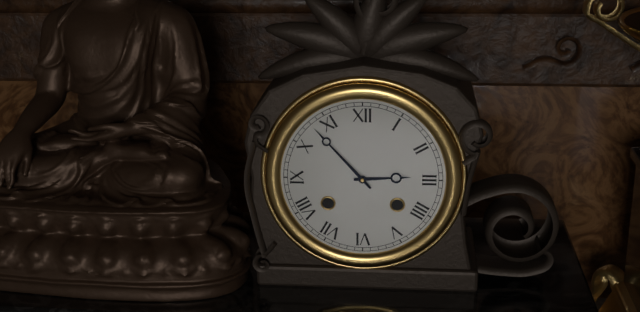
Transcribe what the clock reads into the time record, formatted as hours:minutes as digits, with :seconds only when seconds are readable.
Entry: 2:53
